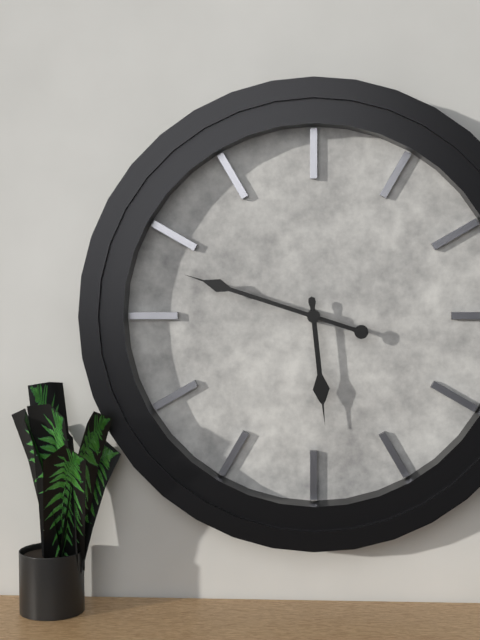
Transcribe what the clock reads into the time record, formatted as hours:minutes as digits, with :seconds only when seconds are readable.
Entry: 5:48
